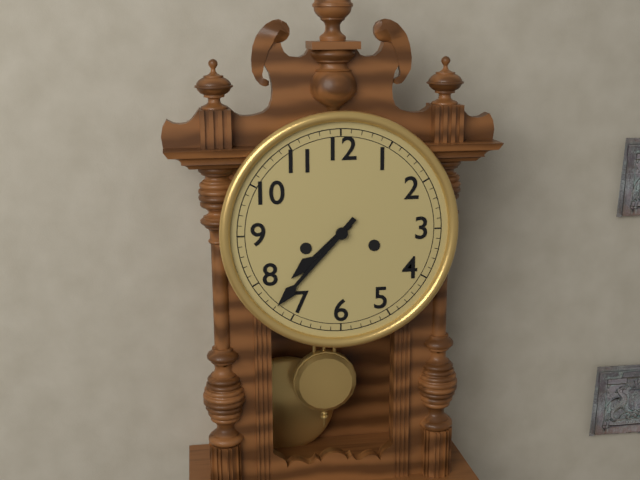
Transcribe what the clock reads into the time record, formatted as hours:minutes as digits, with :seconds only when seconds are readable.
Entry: 7:37
